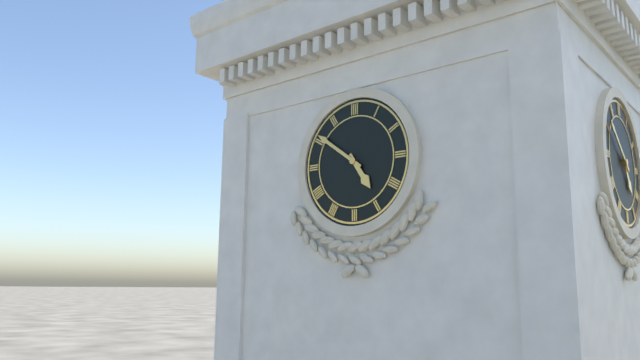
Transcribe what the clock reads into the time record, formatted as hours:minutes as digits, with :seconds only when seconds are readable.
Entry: 4:51
